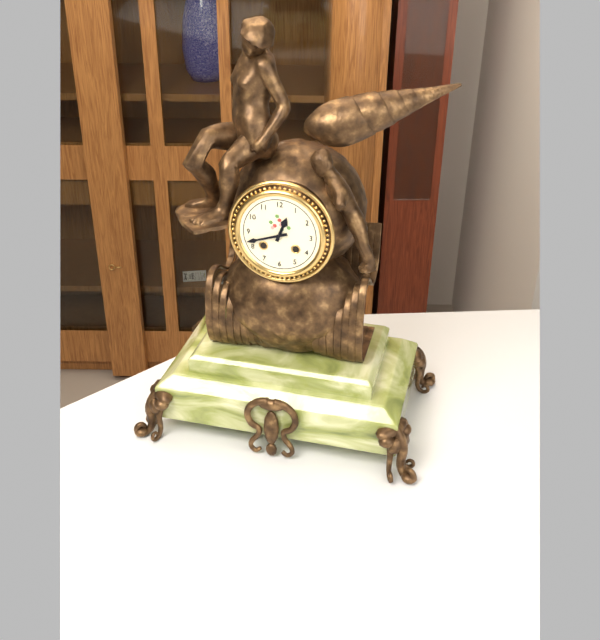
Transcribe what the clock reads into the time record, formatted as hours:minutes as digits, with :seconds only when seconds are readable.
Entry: 12:42
